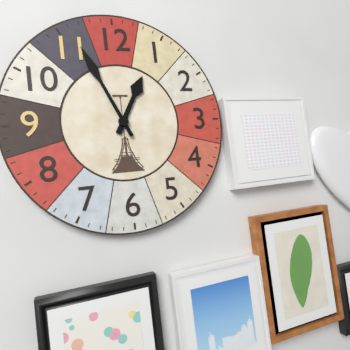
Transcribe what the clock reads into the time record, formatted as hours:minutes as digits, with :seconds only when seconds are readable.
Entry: 12:56
